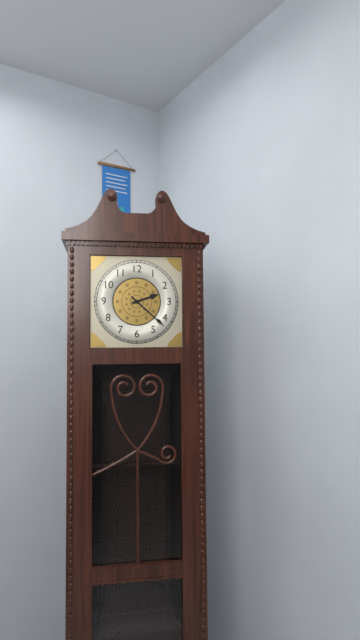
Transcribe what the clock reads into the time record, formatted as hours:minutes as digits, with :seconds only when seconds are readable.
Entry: 2:22
